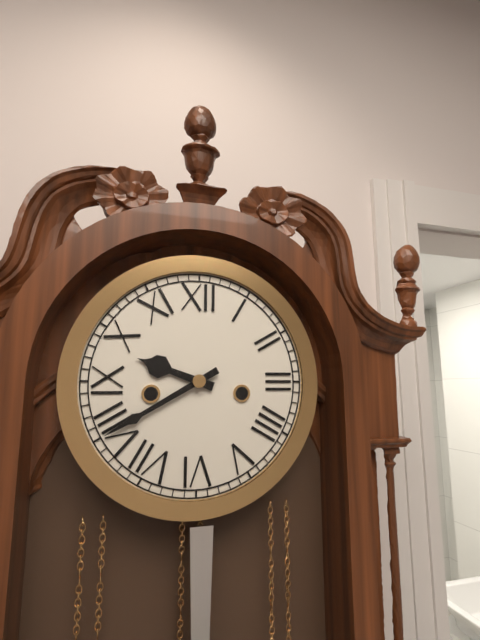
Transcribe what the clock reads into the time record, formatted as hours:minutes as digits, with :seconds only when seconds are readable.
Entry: 9:40
